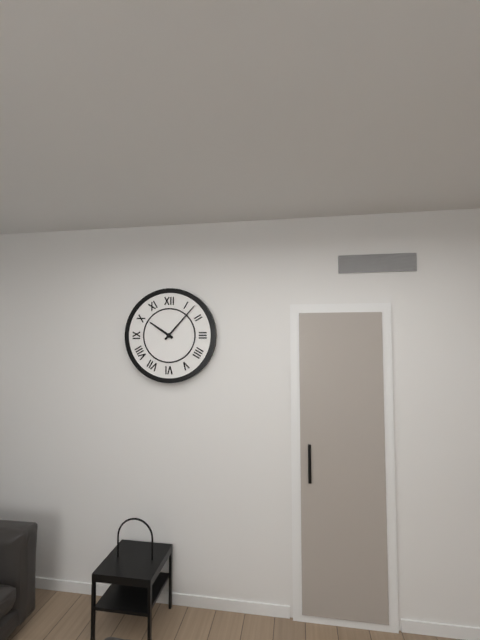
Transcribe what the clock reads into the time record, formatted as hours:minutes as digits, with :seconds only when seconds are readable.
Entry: 10:07
